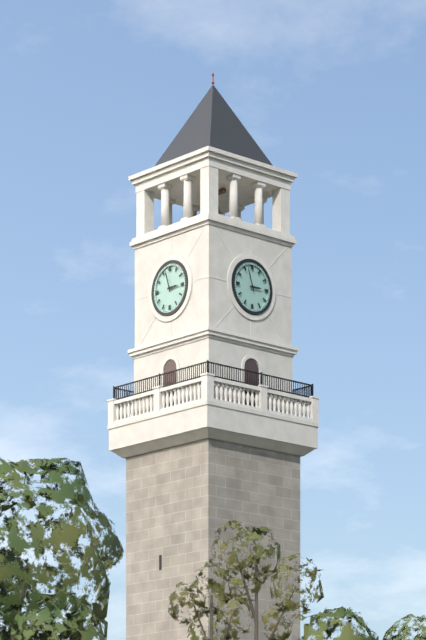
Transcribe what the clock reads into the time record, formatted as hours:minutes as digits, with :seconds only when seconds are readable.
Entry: 2:57
